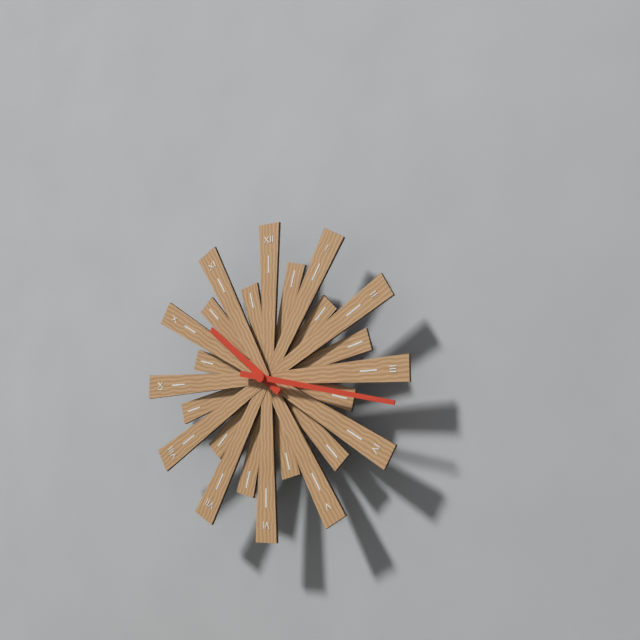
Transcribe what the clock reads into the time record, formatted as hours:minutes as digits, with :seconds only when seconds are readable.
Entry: 10:17
